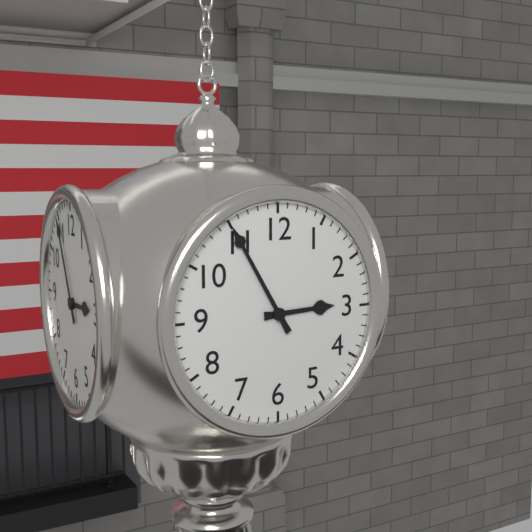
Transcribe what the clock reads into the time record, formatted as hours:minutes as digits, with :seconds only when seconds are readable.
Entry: 2:55
